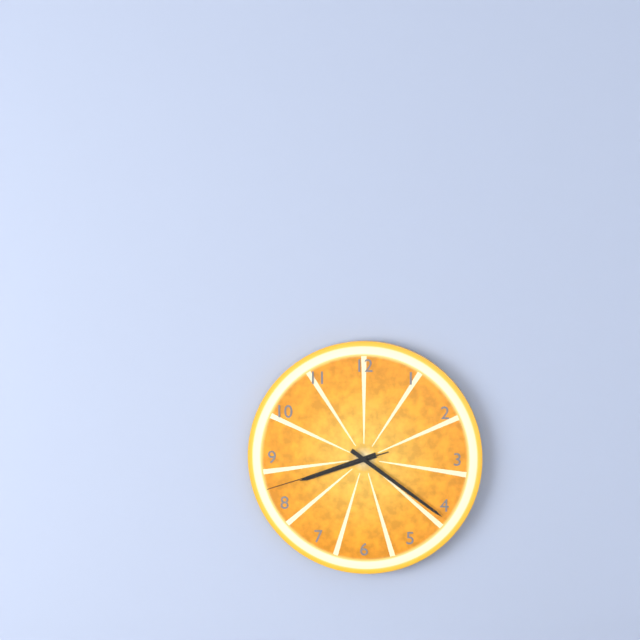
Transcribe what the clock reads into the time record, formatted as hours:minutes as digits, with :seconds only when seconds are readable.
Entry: 8:21:42
